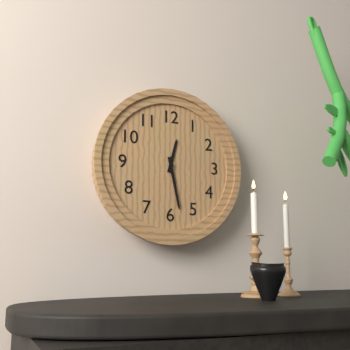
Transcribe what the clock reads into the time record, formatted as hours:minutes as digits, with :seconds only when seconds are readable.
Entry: 12:28
